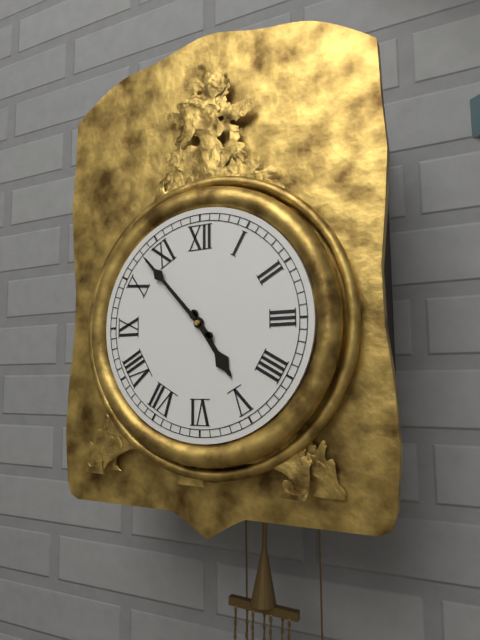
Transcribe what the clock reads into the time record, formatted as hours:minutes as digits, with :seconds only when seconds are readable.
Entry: 4:53
